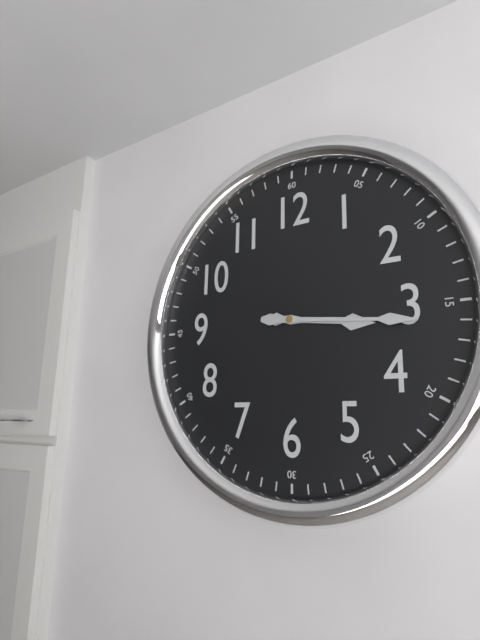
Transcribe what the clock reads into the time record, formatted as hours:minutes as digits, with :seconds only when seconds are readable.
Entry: 3:16
